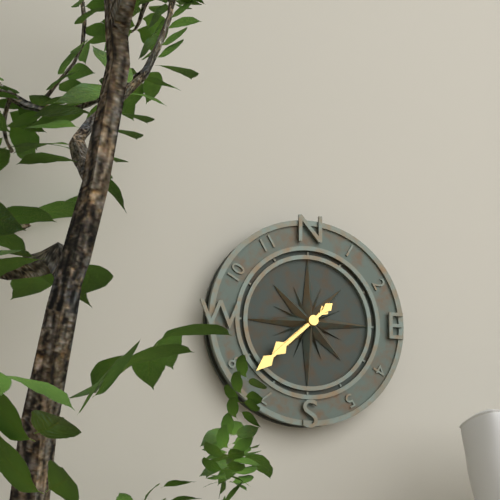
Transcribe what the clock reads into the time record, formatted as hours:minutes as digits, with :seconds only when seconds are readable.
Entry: 7:38
